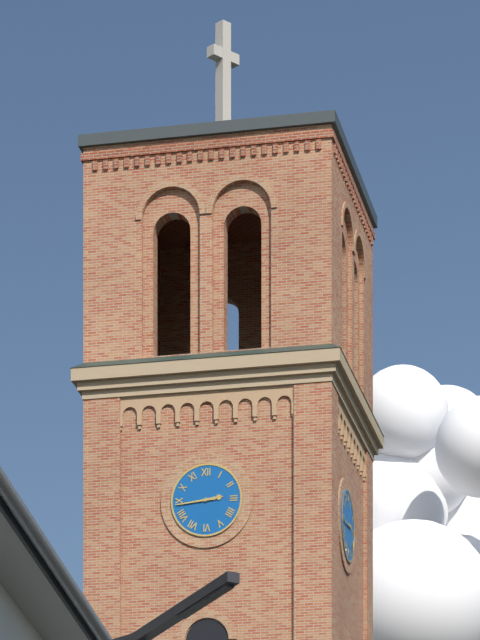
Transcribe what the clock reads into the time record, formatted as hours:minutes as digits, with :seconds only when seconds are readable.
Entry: 2:44
